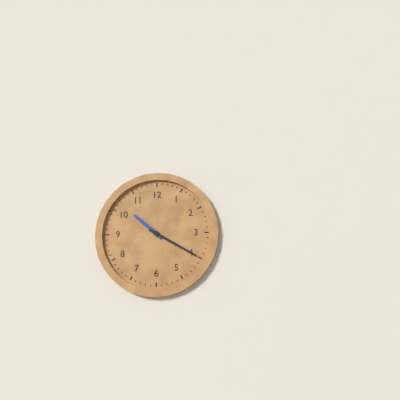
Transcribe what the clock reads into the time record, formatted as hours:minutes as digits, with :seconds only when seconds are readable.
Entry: 10:20
